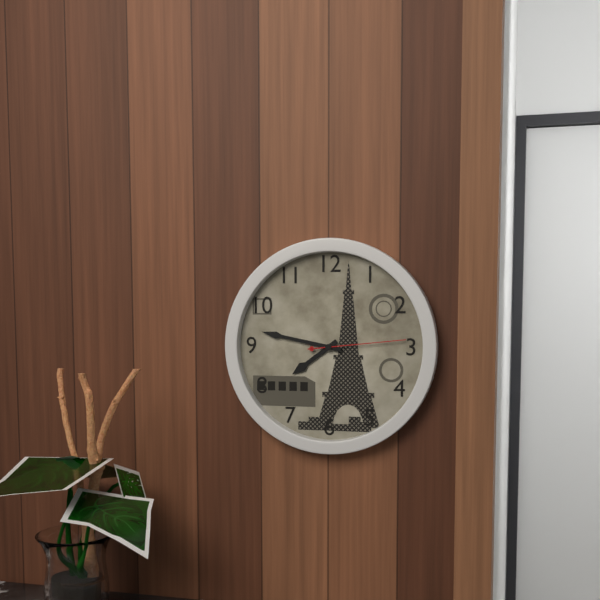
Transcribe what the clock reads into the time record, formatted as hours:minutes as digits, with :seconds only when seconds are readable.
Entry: 7:47:14
